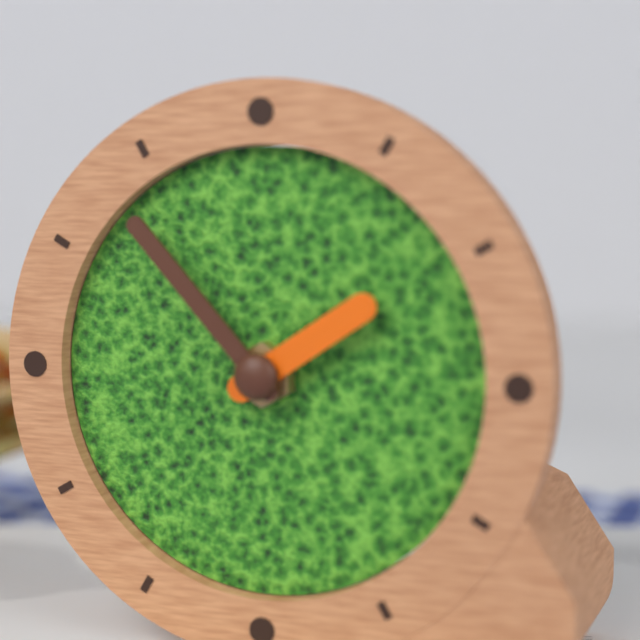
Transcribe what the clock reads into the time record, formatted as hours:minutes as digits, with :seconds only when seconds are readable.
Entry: 1:53
